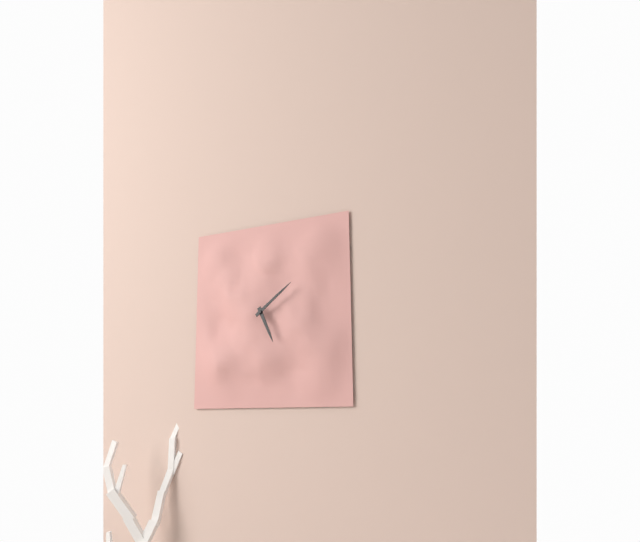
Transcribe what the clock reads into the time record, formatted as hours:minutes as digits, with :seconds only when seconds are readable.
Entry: 5:09
